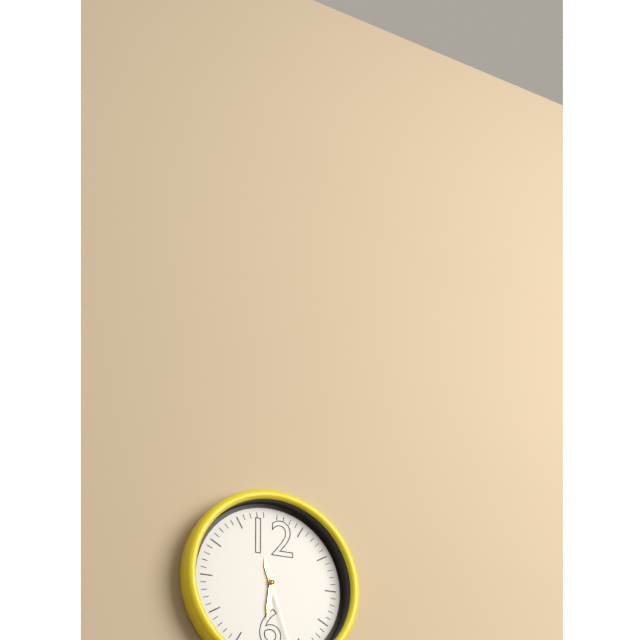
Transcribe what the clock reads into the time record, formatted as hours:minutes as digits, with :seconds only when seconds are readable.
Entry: 11:31
